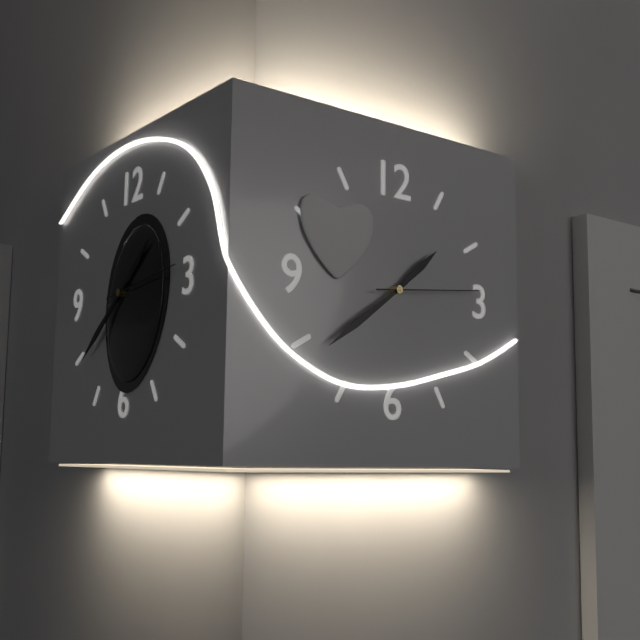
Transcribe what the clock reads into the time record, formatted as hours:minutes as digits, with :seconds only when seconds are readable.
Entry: 1:39:14
